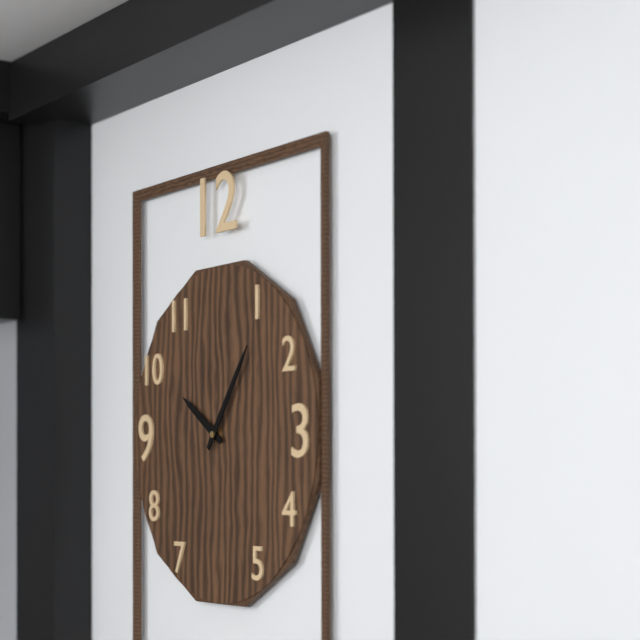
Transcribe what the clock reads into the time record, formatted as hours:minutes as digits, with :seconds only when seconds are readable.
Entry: 10:06
